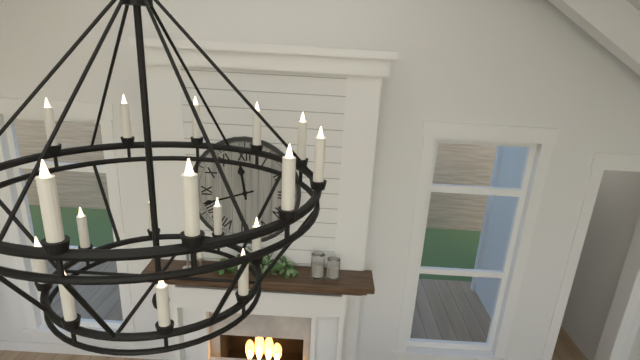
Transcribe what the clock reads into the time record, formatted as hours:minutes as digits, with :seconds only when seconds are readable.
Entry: 11:42
